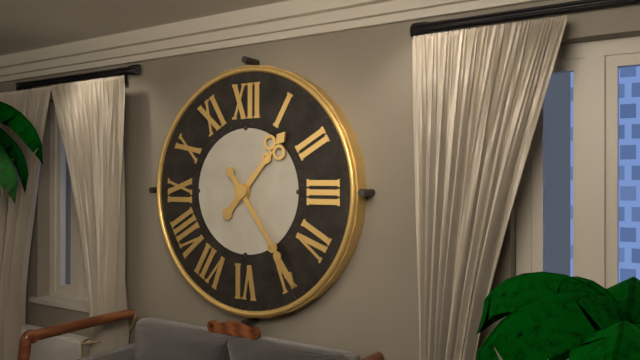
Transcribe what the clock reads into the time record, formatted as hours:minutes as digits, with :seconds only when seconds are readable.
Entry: 1:24
